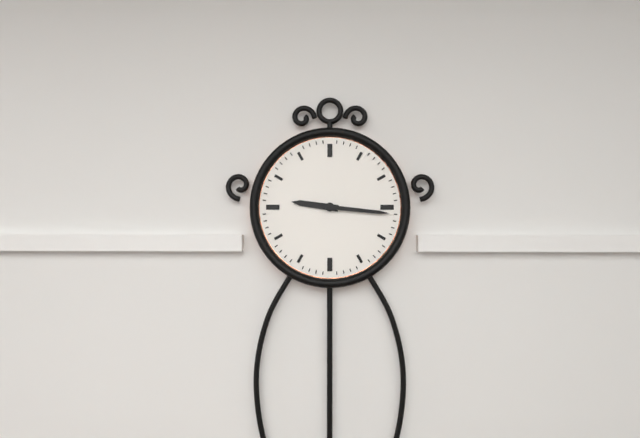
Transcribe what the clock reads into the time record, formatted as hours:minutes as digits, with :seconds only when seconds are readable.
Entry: 9:16
